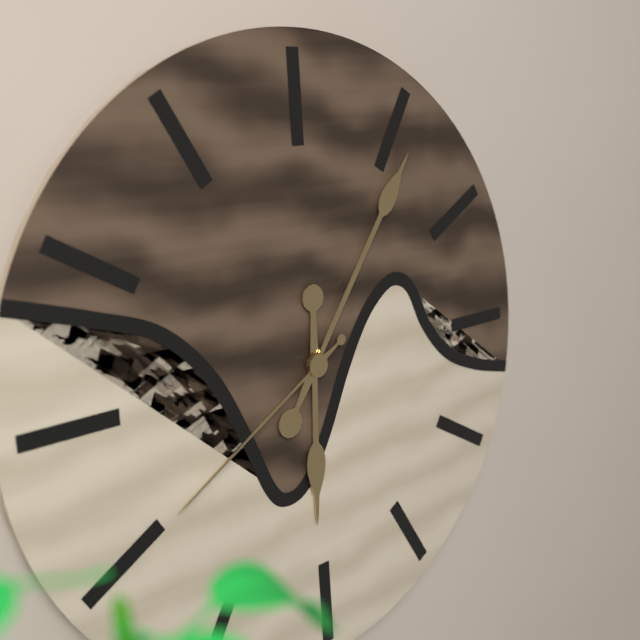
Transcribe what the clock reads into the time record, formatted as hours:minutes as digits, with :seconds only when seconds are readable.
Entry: 6:06:40
